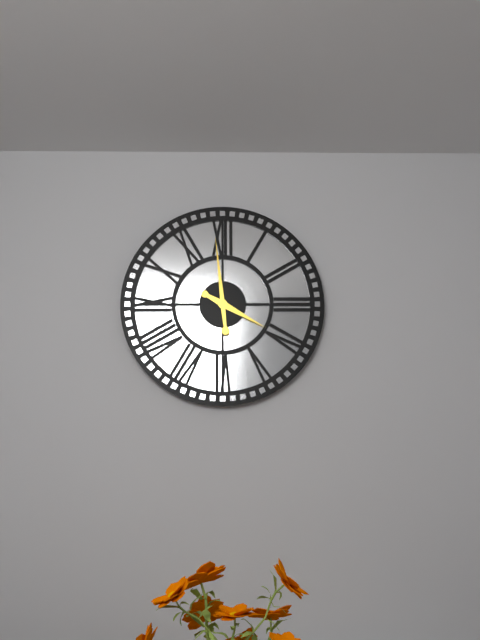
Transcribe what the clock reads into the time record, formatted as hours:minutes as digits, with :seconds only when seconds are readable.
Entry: 3:59
